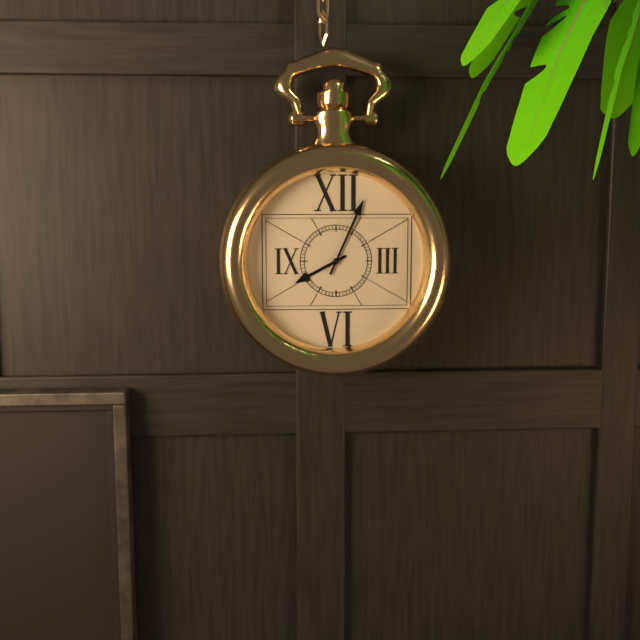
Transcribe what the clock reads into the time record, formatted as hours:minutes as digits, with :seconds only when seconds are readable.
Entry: 8:04
